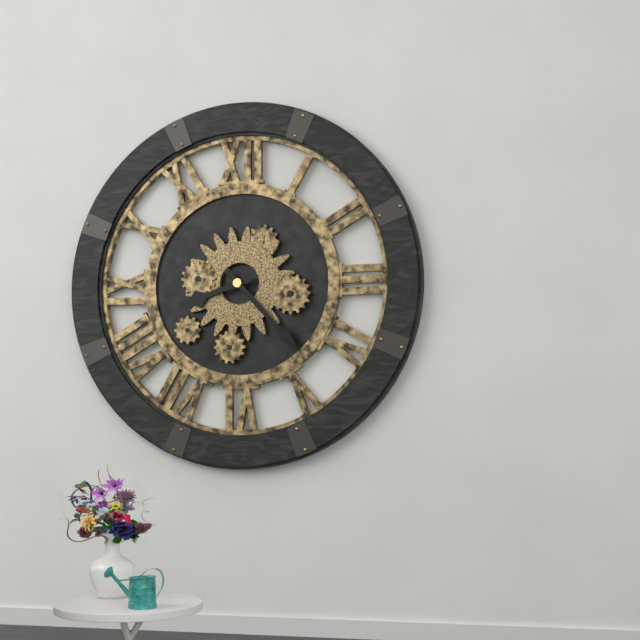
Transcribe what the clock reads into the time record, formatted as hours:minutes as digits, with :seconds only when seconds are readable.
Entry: 8:23
